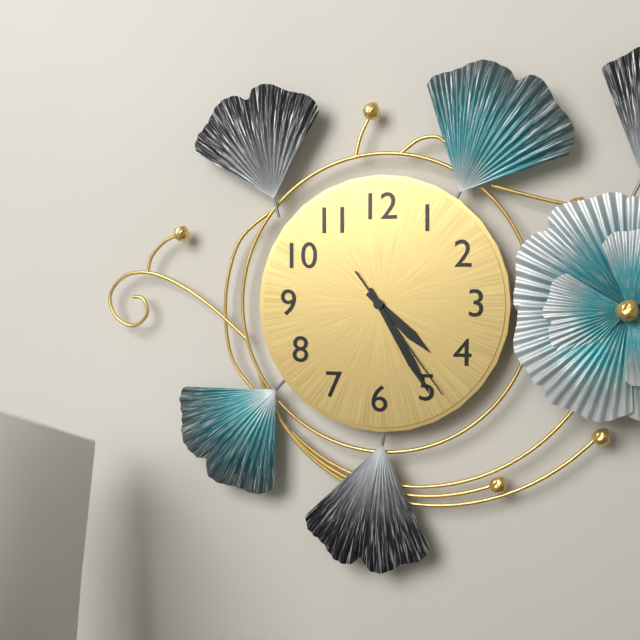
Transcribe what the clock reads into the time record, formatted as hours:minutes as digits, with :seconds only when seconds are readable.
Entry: 4:25:24
